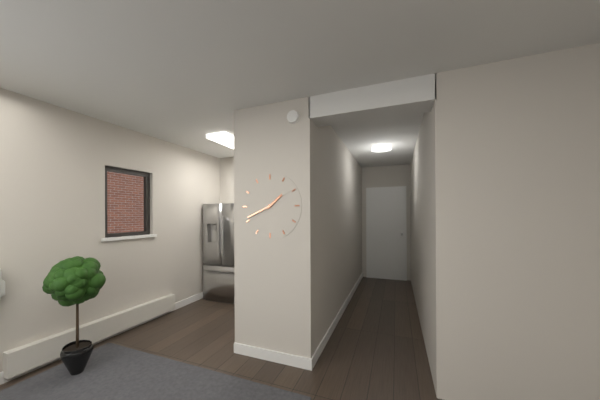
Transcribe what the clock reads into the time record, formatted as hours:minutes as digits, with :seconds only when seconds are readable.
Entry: 1:41
